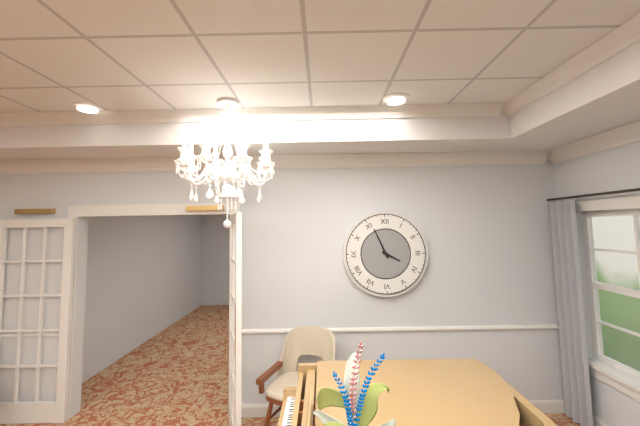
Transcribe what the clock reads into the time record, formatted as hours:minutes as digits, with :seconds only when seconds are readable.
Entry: 3:56
